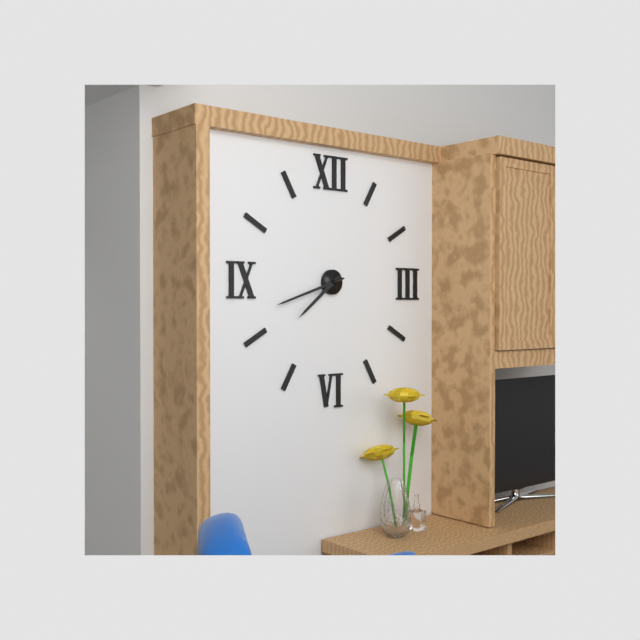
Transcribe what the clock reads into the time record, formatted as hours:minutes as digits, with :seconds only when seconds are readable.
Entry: 7:42
